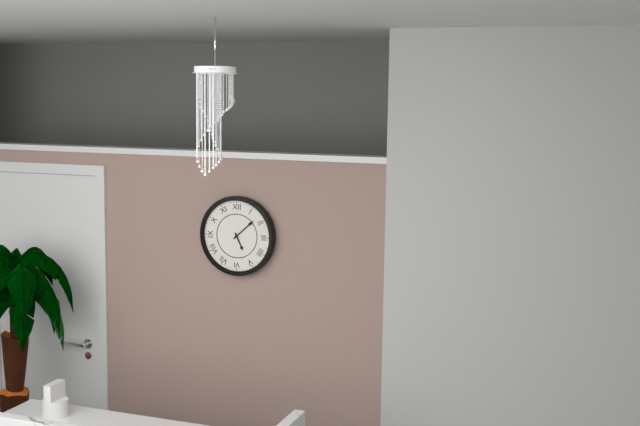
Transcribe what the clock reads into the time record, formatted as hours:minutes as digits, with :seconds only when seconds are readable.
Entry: 5:08
